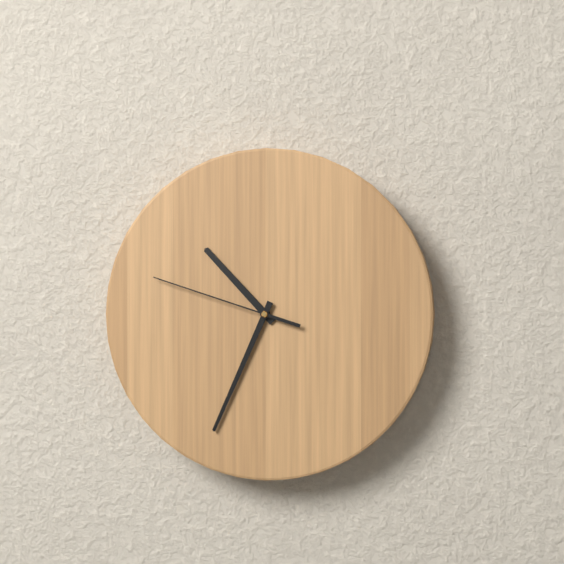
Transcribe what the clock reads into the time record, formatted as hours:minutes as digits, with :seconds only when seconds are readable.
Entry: 10:34:48
